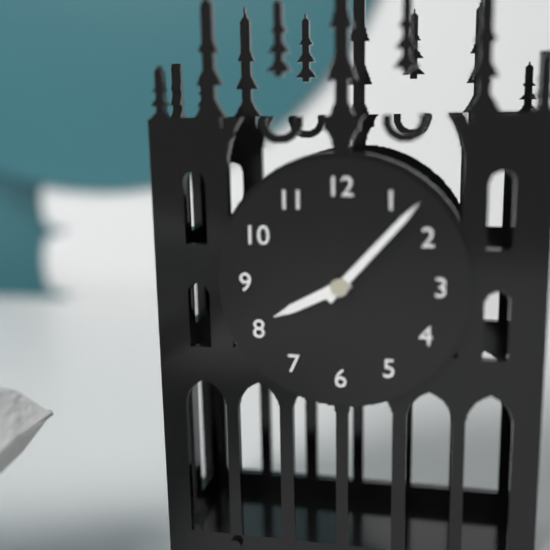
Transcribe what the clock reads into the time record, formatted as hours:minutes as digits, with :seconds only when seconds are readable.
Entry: 8:07
